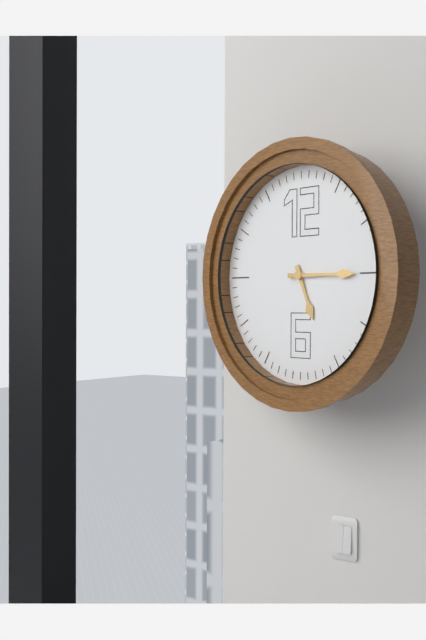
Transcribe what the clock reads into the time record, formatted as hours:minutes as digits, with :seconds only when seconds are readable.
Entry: 5:15
